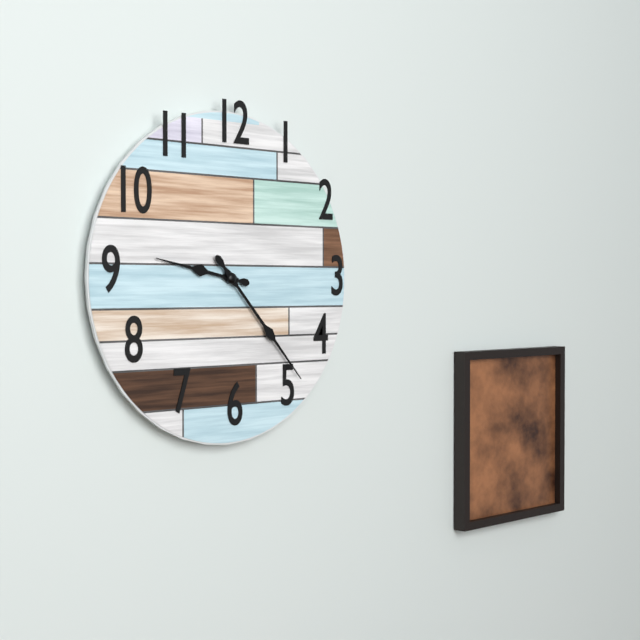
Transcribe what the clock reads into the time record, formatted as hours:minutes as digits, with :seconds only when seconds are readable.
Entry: 9:23
